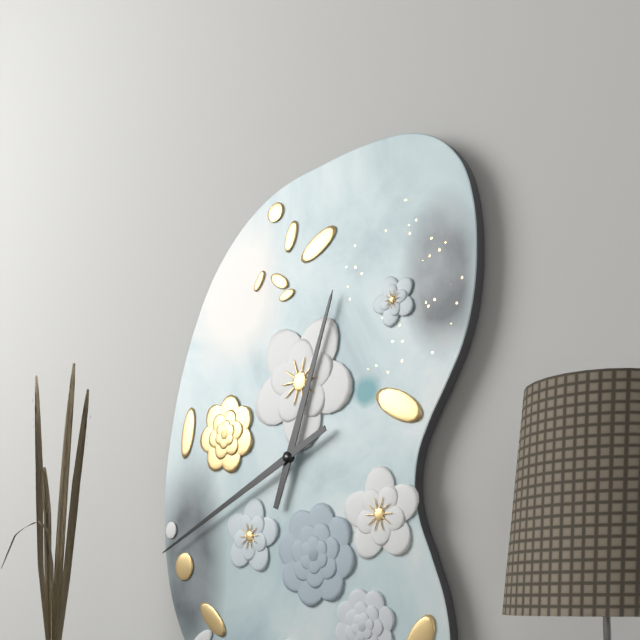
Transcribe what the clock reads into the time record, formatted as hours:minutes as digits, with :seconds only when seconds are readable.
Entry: 12:41
